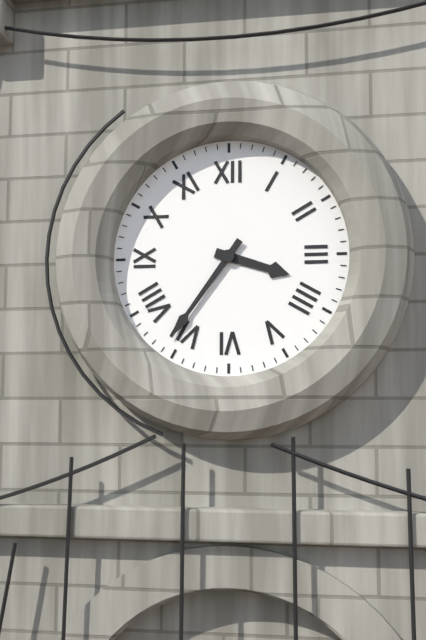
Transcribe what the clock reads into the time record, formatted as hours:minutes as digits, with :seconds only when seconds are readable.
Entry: 3:36
